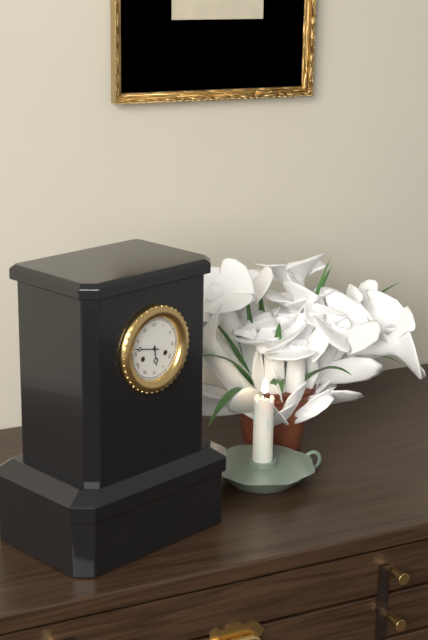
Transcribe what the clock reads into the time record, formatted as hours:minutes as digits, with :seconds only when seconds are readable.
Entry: 5:47
